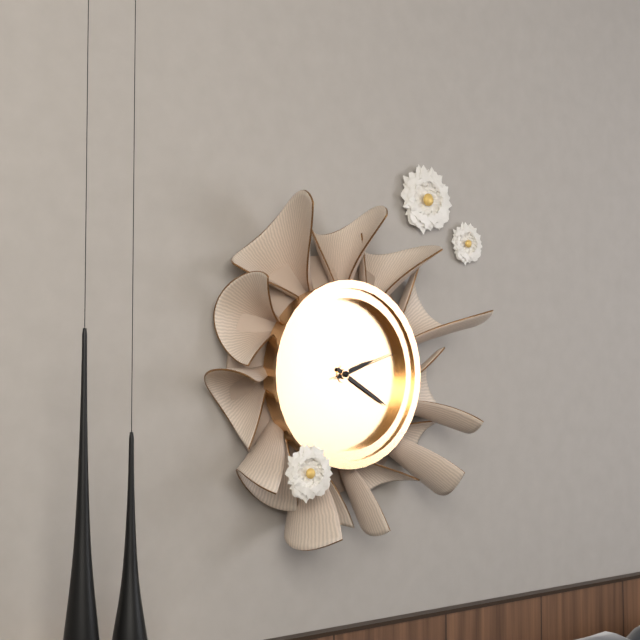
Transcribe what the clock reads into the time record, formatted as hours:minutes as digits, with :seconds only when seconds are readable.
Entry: 2:20:12
